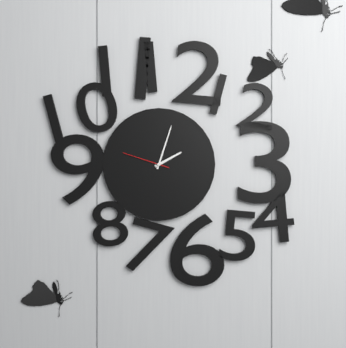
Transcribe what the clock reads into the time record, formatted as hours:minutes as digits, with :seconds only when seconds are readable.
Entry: 2:03
